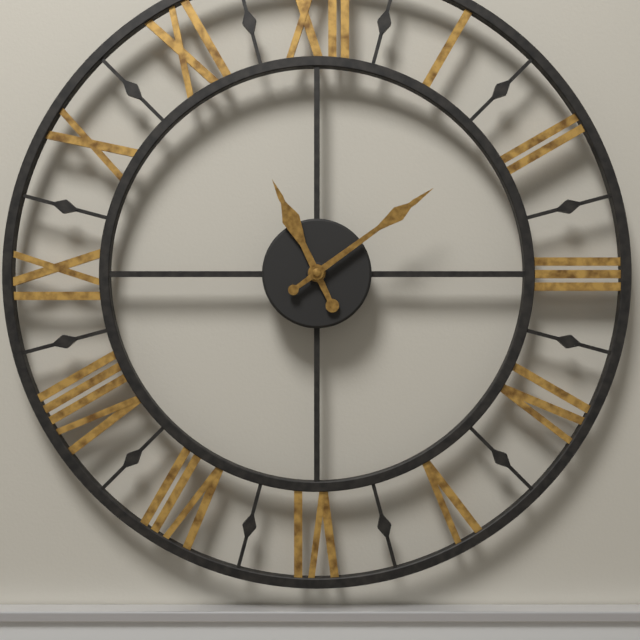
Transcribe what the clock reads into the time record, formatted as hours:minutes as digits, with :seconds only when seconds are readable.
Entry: 11:09
